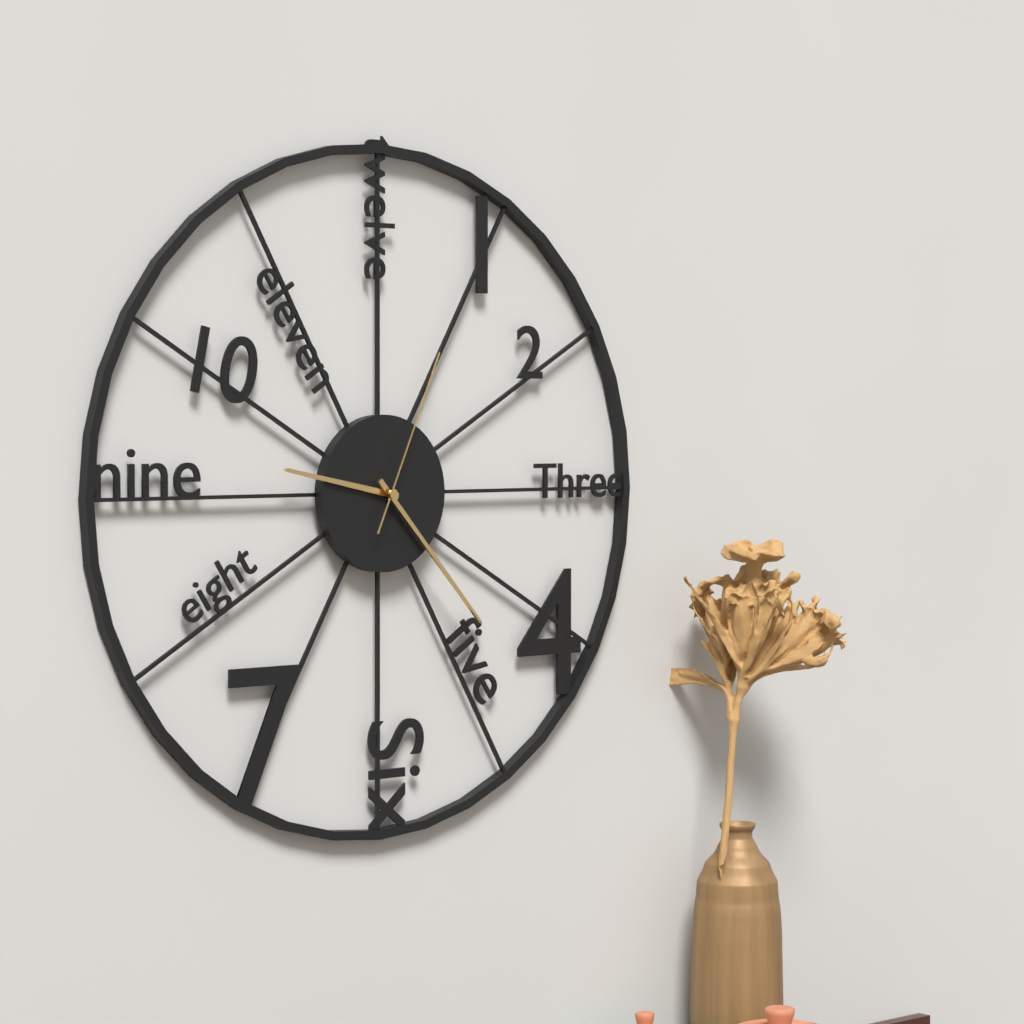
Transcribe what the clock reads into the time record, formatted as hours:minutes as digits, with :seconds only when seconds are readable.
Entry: 9:23:04
